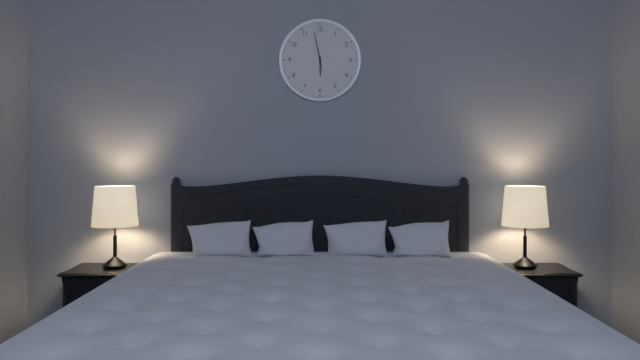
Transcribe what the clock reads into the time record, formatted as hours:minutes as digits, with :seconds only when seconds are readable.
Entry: 5:58
